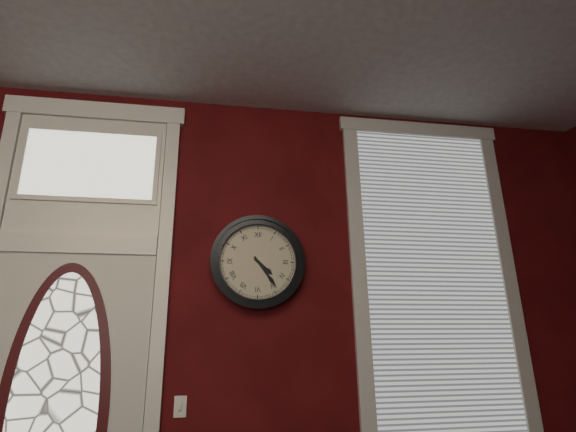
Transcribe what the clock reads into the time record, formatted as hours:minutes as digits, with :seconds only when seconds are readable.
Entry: 4:24
